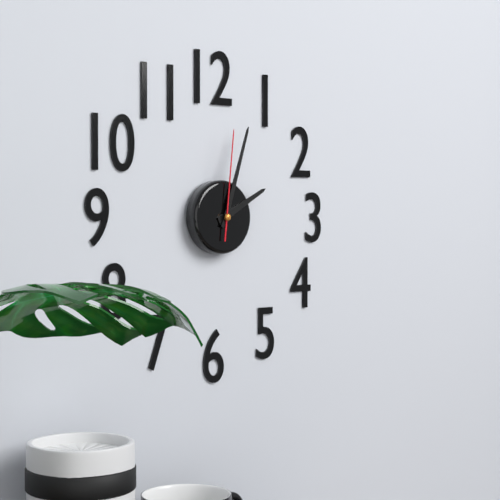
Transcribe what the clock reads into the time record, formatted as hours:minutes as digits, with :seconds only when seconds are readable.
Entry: 2:03:01
